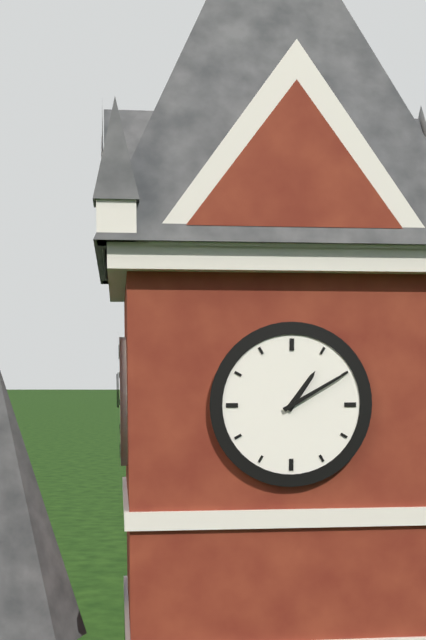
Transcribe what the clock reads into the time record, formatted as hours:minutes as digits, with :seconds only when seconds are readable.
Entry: 1:10
